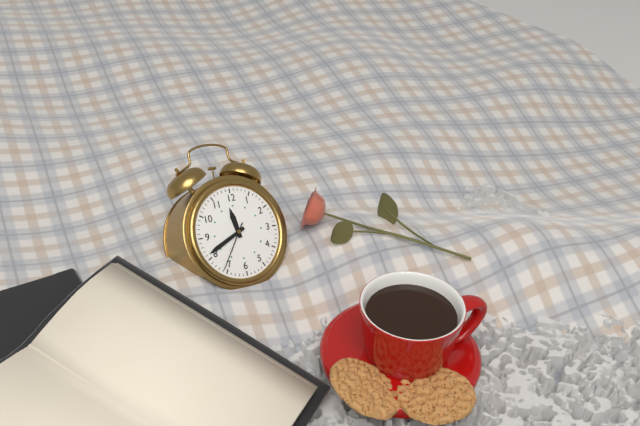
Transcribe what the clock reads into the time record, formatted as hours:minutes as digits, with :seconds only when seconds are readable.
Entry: 11:41
